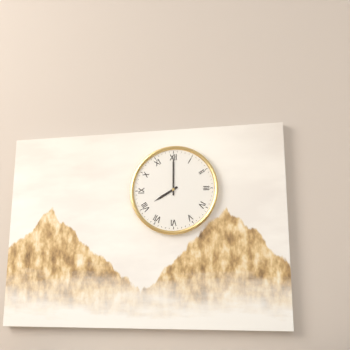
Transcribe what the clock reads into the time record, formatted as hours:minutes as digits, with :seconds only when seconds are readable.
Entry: 8:00
